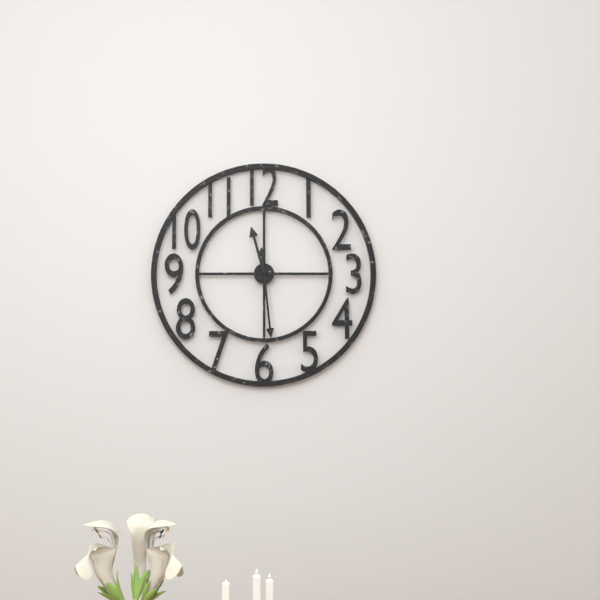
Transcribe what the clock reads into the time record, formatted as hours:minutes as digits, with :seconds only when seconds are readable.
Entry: 11:29
